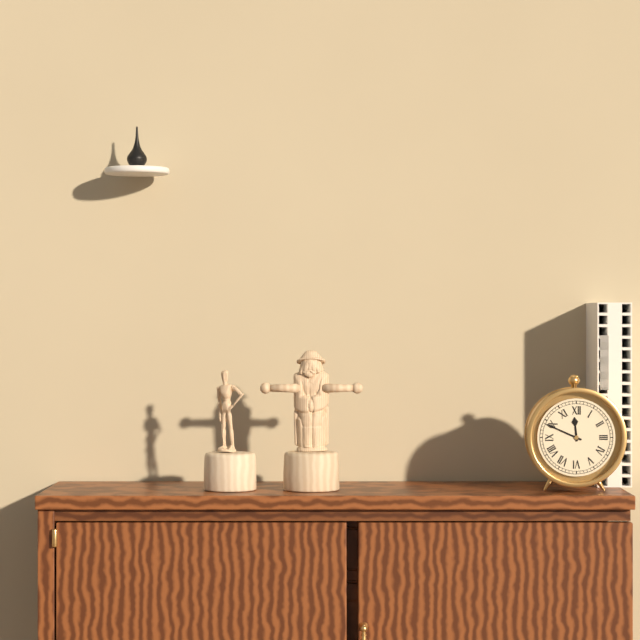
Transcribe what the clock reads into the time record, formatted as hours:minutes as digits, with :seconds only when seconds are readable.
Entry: 11:49
